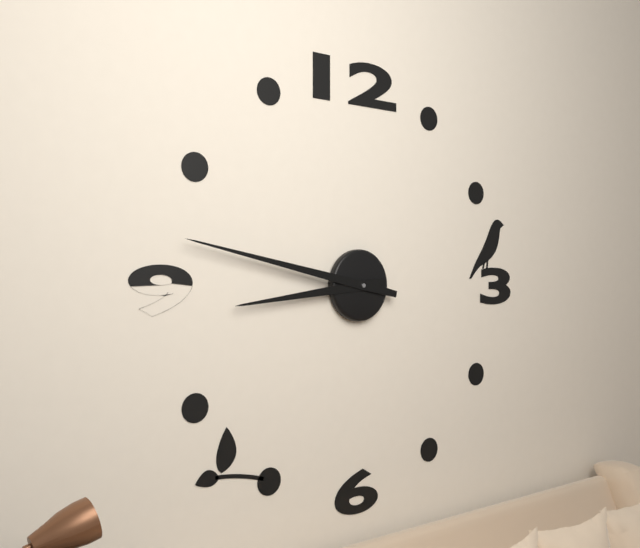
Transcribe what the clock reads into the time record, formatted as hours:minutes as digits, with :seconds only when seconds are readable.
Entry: 8:47
